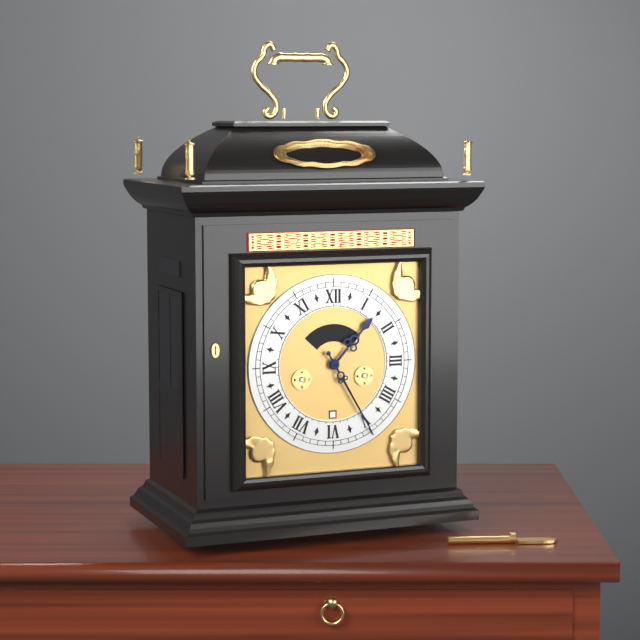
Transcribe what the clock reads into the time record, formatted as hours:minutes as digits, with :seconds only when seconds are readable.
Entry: 1:25
